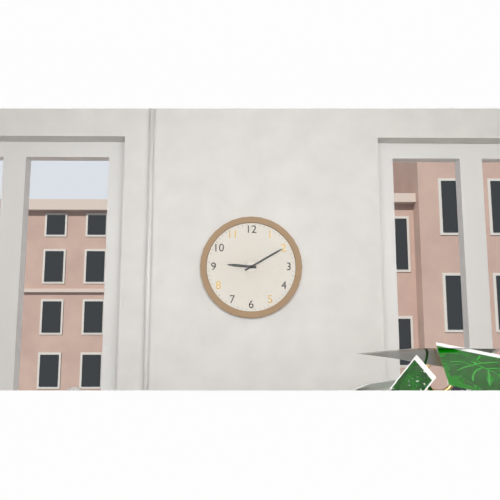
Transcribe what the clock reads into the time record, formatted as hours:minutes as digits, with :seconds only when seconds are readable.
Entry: 9:10
